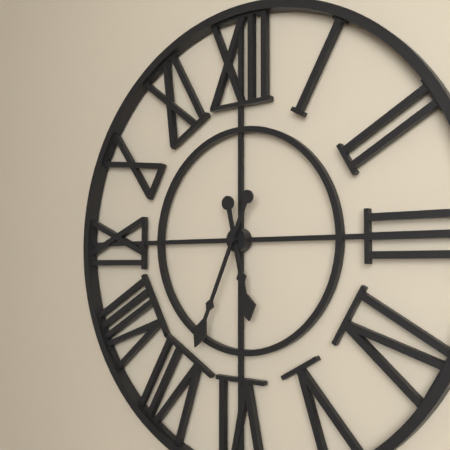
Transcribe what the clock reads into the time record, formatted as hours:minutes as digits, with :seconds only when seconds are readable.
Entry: 5:34
